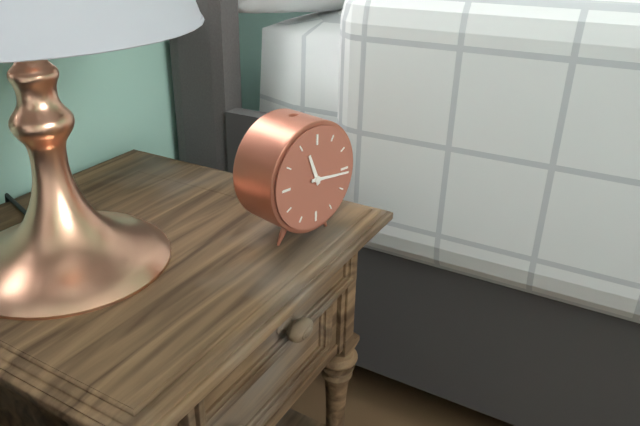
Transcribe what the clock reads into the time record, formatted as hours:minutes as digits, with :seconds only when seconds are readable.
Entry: 11:16
